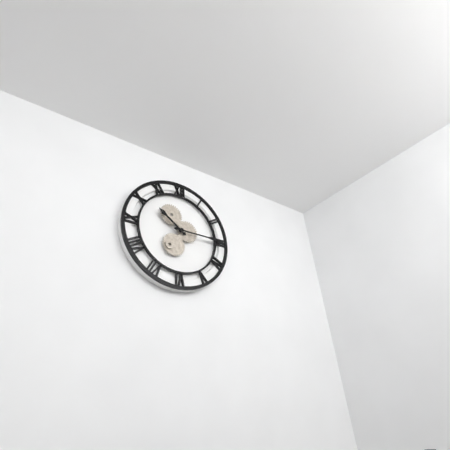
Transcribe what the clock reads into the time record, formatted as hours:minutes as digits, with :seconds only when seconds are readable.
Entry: 10:15
